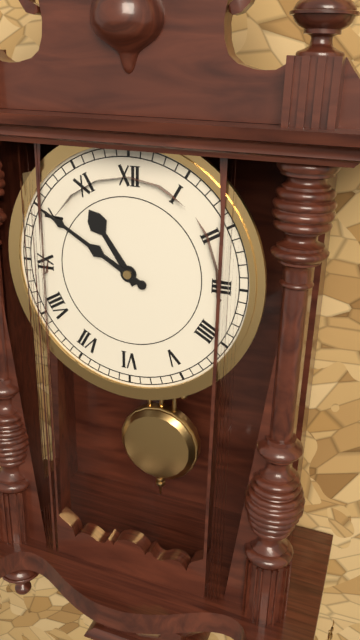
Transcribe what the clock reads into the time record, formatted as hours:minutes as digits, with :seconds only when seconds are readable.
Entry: 10:50
